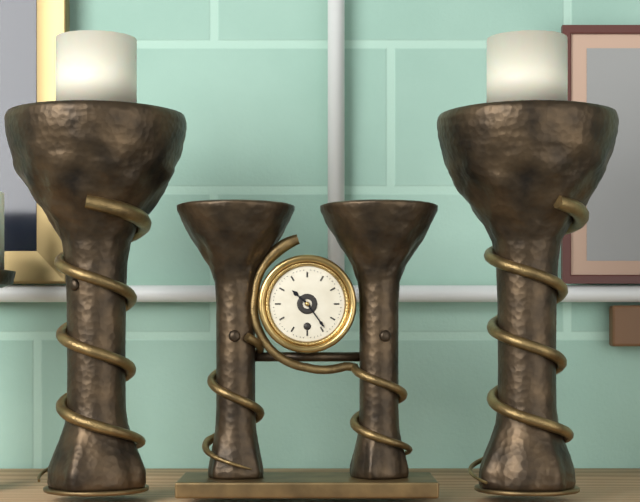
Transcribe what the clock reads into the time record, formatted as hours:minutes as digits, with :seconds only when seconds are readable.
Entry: 10:24
